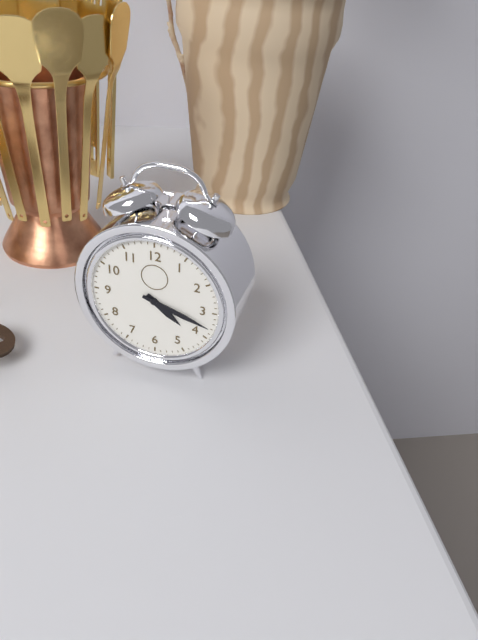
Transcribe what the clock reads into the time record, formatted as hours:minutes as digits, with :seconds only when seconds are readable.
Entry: 4:18
